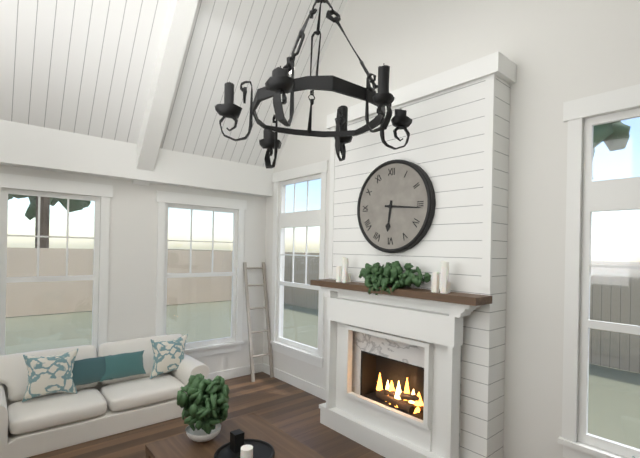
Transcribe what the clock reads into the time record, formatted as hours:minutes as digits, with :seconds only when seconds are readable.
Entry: 6:16
